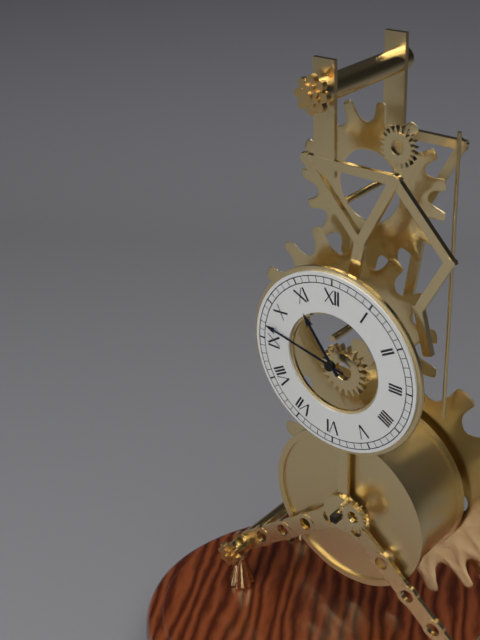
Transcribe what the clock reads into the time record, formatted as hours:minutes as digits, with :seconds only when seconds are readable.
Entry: 10:47
